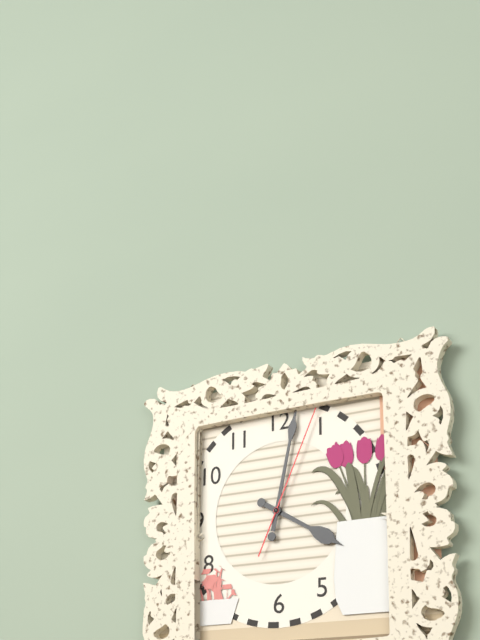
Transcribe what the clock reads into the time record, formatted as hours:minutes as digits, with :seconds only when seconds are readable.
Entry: 4:02:04
